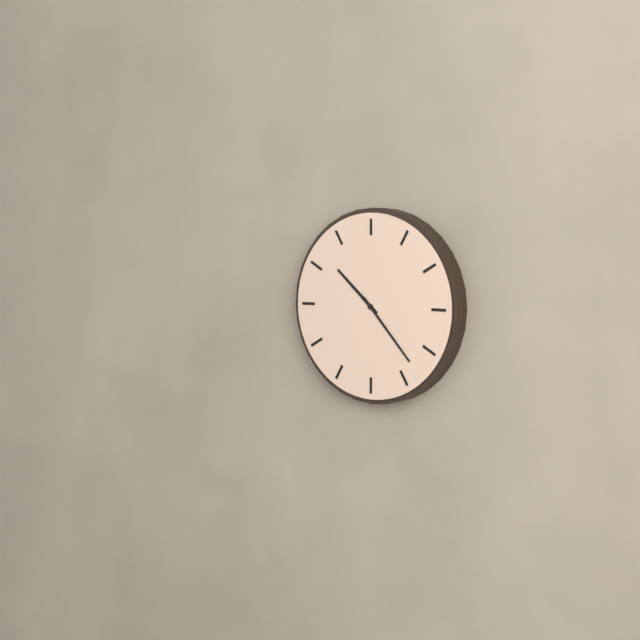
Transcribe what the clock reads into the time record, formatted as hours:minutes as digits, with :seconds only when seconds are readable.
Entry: 10:23
